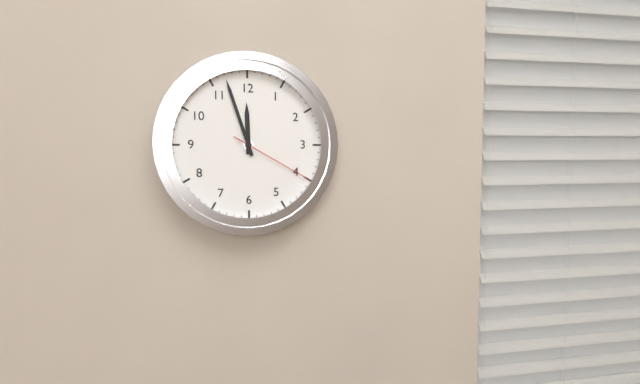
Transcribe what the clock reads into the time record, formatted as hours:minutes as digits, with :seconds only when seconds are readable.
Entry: 11:57:20
